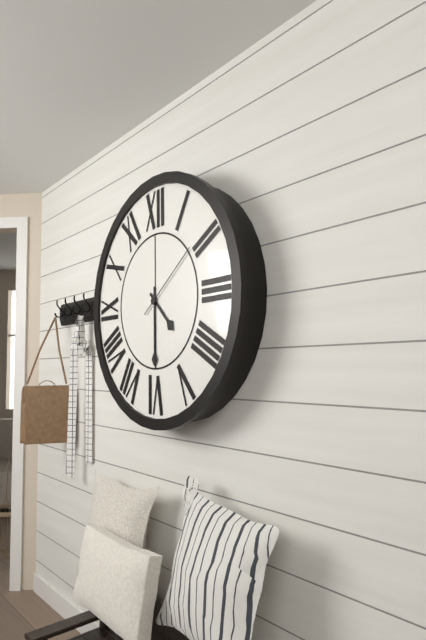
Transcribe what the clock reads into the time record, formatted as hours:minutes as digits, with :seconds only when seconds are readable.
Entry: 4:30:09
